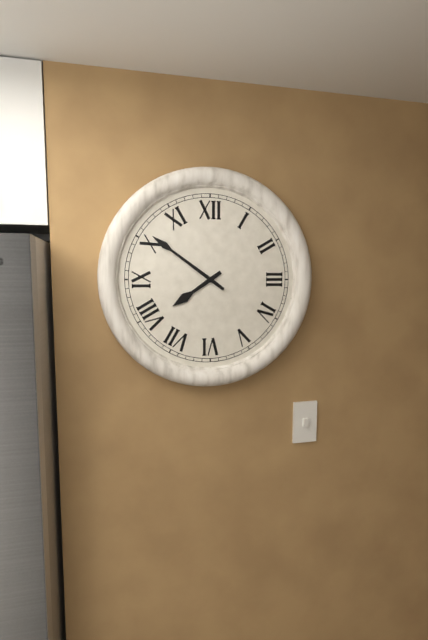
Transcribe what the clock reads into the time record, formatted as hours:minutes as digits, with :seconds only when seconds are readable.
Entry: 7:51
